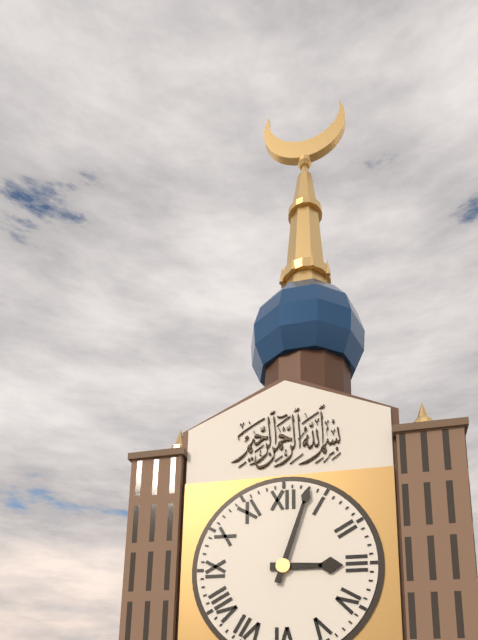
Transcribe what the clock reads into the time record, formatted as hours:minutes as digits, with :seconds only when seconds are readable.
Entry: 3:03
